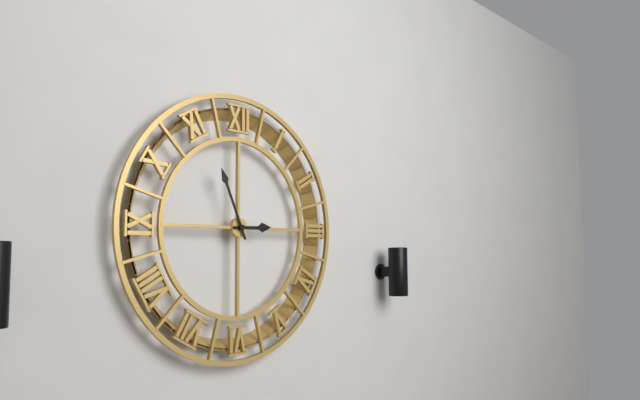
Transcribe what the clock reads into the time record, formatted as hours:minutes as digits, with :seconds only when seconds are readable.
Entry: 2:56
